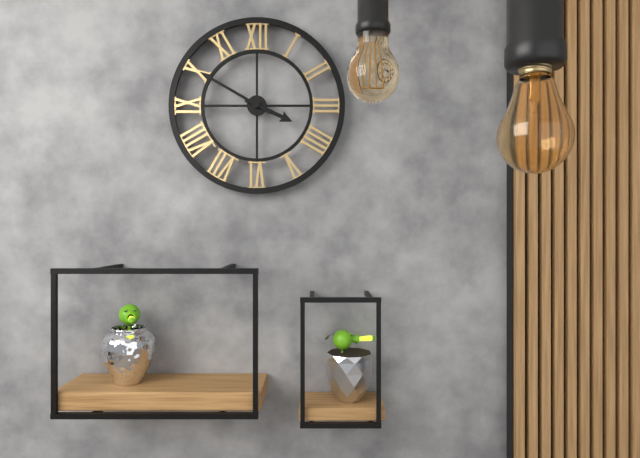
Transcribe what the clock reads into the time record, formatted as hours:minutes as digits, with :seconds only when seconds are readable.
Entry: 3:50
